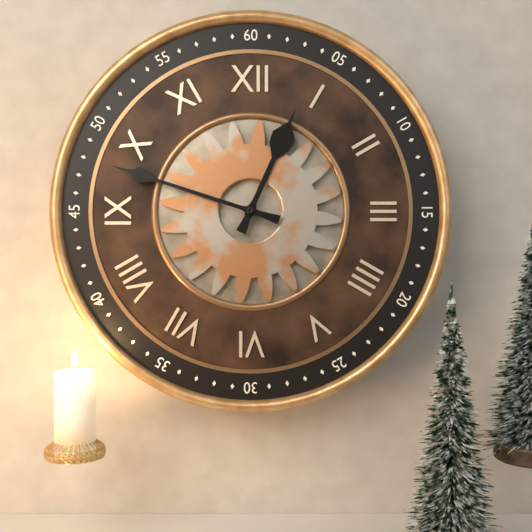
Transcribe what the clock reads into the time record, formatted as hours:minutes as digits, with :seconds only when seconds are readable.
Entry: 12:48
